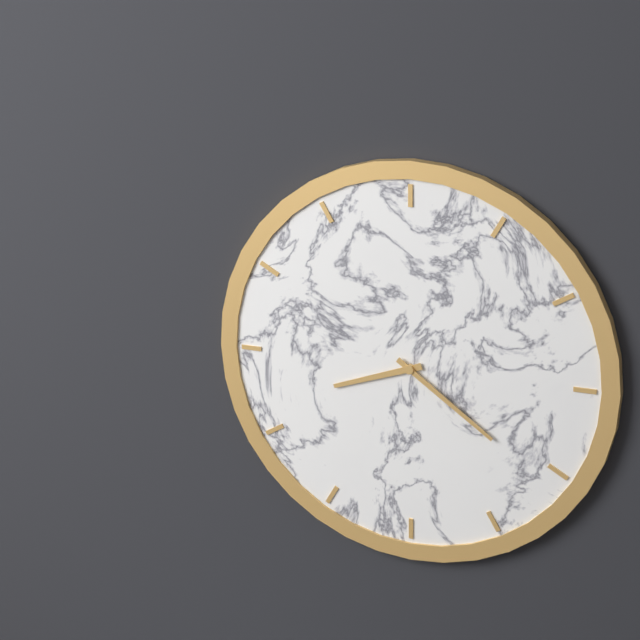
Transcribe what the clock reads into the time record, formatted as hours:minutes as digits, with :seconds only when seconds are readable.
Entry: 8:21
